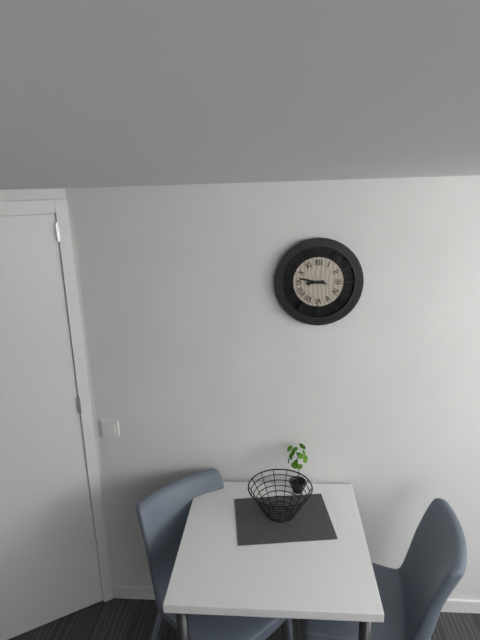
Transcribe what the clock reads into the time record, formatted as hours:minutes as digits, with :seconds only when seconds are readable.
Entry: 8:47
